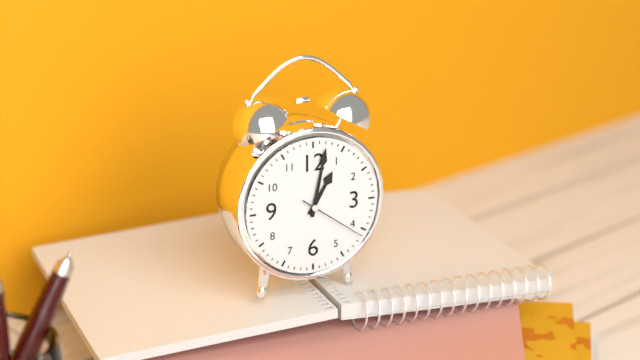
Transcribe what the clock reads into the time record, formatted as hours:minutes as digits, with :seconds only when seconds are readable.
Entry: 1:02:21
